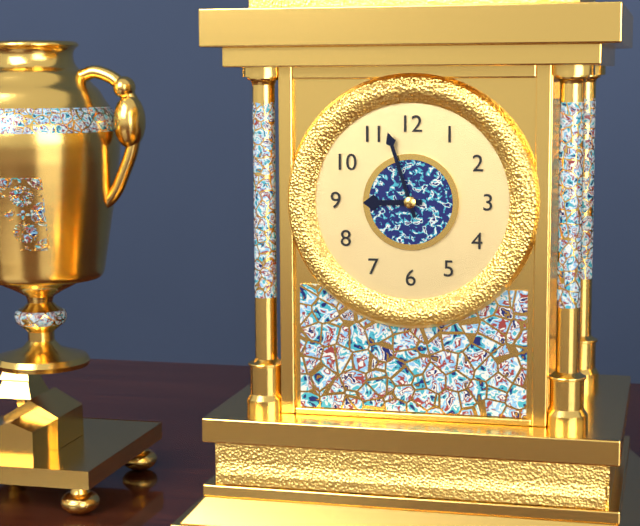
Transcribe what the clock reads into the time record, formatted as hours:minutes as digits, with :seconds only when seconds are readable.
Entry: 8:57
